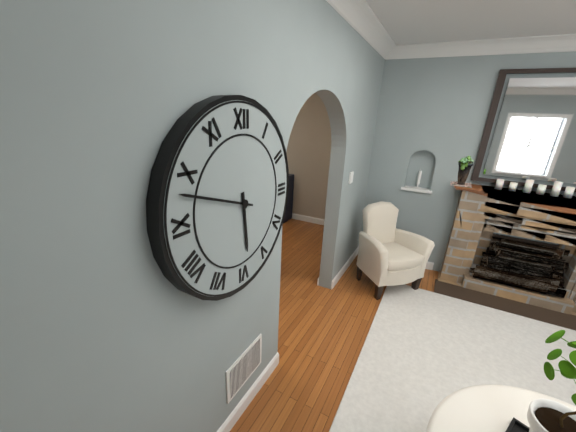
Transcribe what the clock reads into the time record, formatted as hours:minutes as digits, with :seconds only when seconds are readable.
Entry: 5:48
